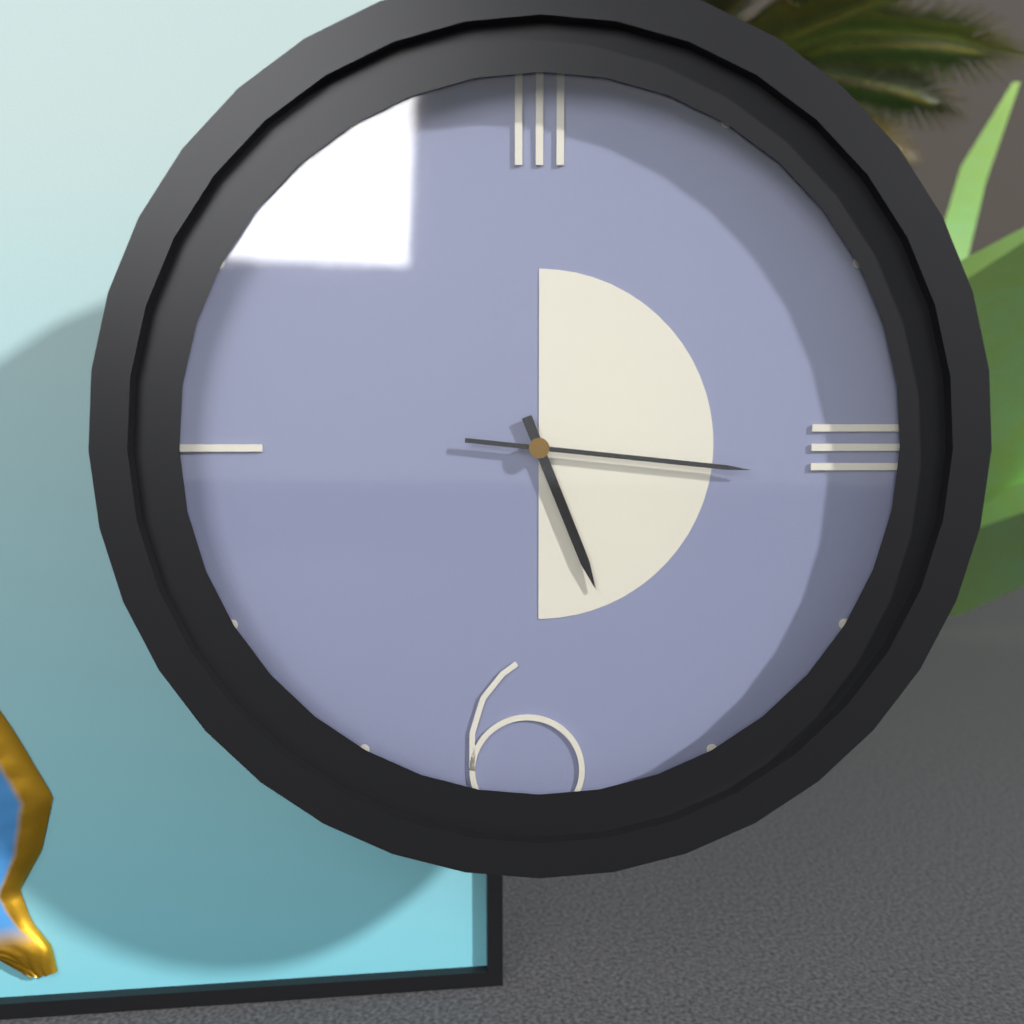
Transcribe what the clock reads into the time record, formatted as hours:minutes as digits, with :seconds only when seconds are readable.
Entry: 5:16
